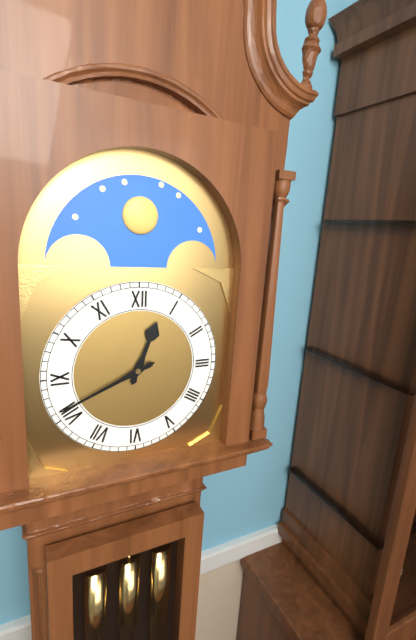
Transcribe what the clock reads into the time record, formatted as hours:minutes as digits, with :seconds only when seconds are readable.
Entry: 12:41
